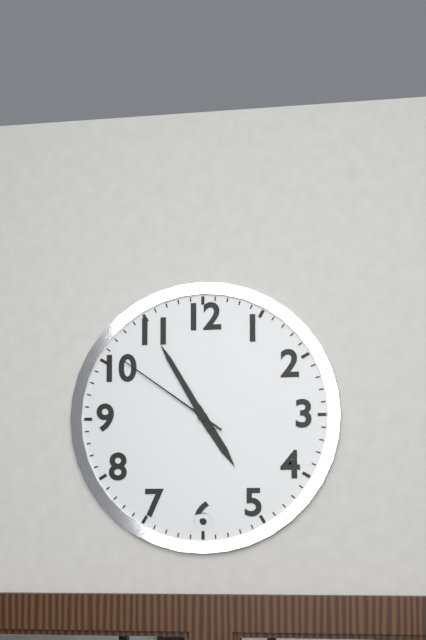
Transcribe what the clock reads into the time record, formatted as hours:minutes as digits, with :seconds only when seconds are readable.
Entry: 4:55:51
